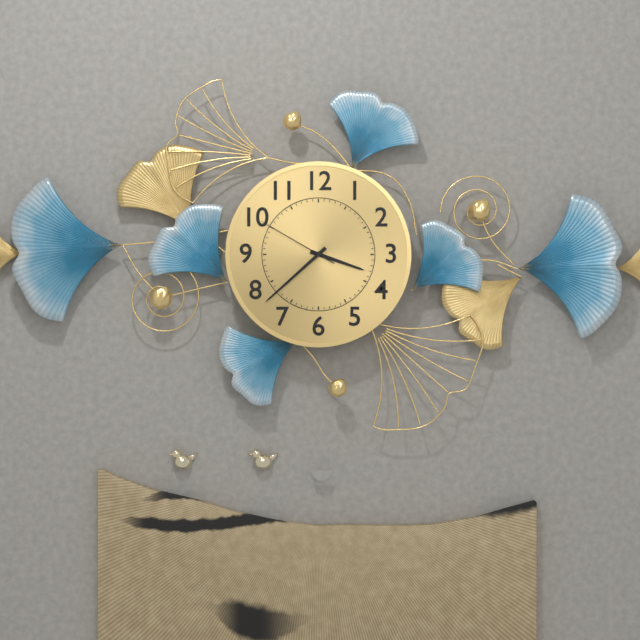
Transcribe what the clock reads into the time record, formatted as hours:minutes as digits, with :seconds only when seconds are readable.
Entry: 3:38:50
